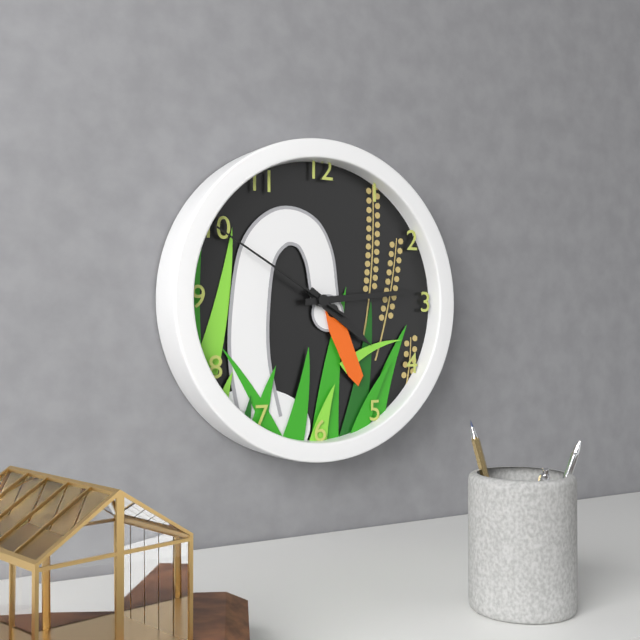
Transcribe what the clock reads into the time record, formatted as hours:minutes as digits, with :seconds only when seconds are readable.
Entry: 4:14:50
